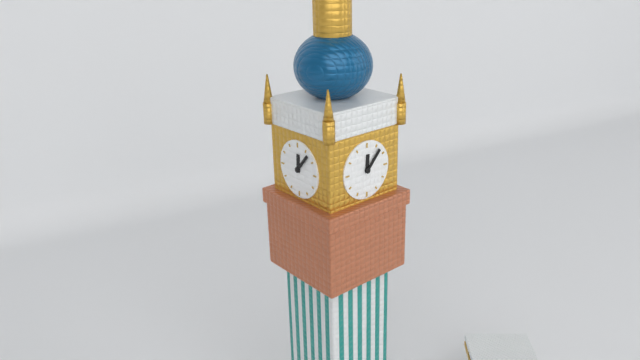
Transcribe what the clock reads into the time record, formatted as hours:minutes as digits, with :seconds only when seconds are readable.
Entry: 12:07
